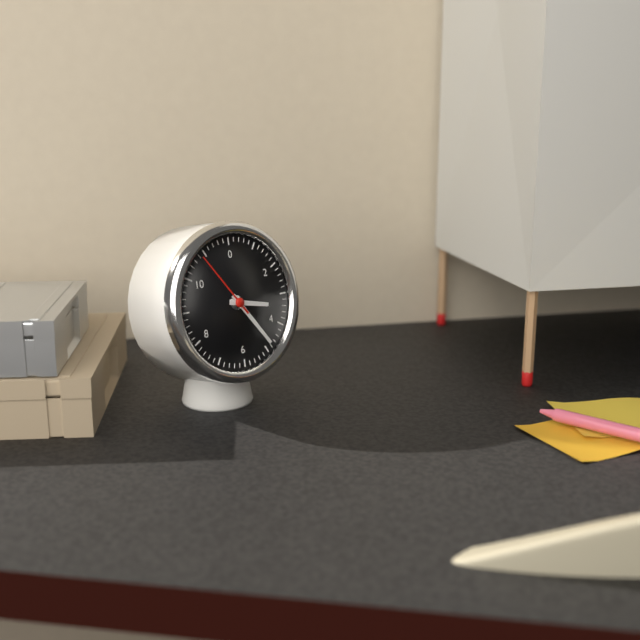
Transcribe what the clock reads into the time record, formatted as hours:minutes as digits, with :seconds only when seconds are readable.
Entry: 3:24:54
